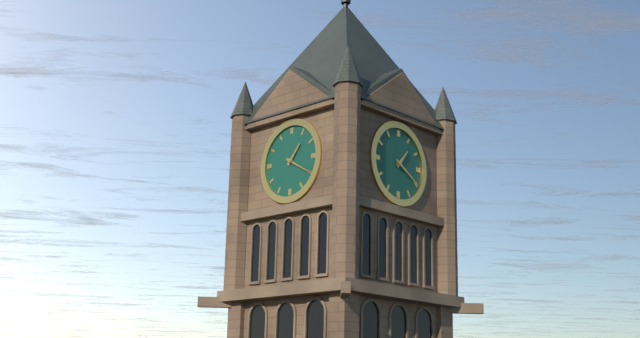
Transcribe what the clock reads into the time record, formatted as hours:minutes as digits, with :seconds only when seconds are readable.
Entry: 1:20
